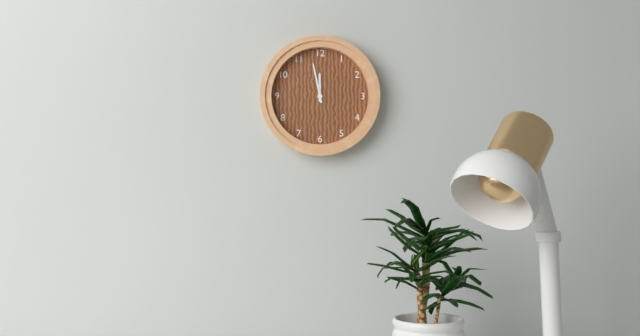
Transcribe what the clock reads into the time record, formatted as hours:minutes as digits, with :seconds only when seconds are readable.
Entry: 11:58
